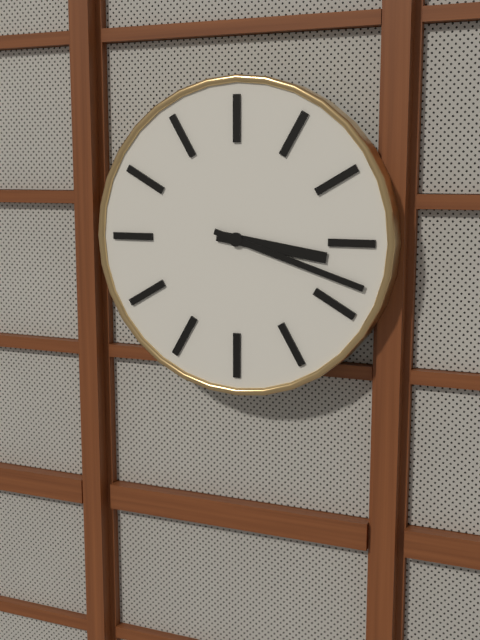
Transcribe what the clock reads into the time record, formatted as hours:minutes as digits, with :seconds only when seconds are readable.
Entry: 3:18
